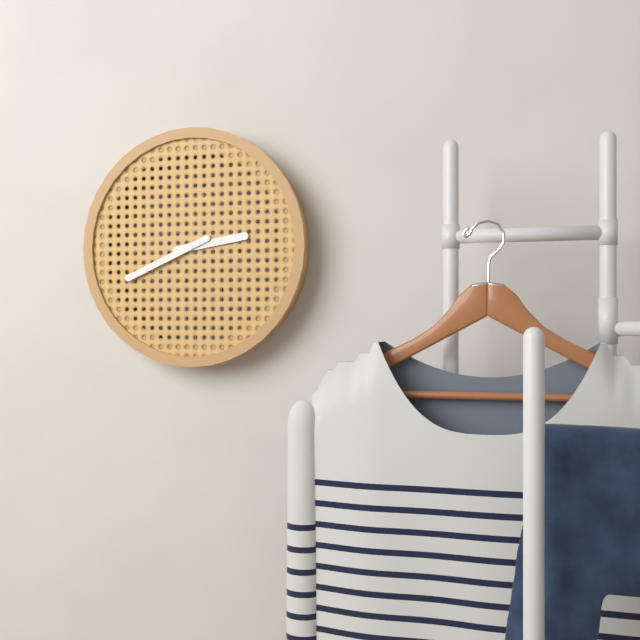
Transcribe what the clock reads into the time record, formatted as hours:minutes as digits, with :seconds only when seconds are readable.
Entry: 2:41
